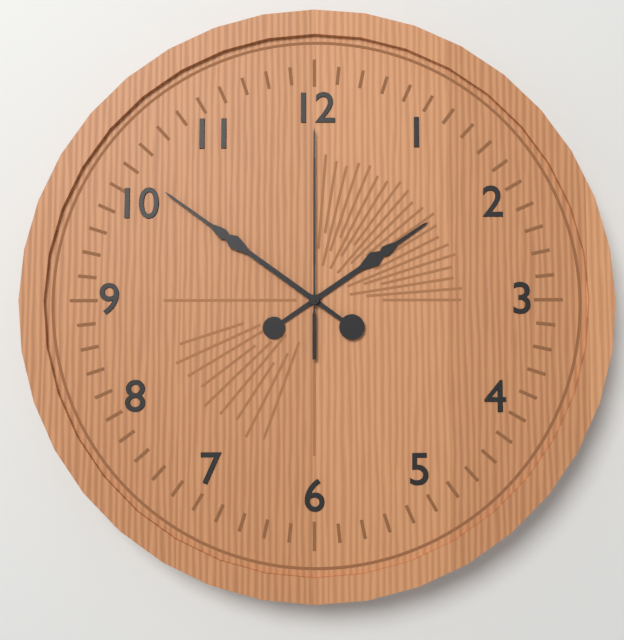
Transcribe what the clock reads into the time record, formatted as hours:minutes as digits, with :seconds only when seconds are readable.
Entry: 1:51:00
